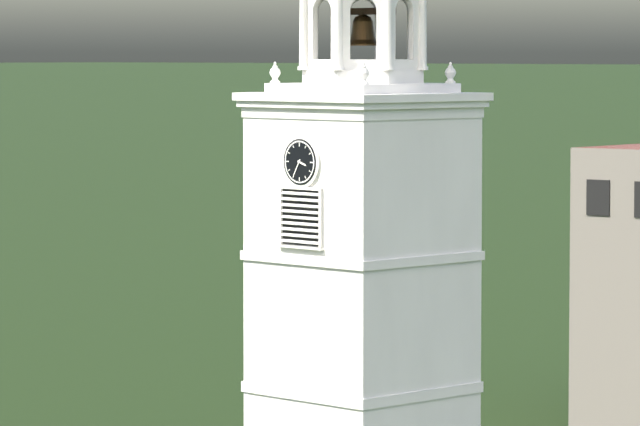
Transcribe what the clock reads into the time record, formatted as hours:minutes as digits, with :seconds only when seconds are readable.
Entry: 3:35
